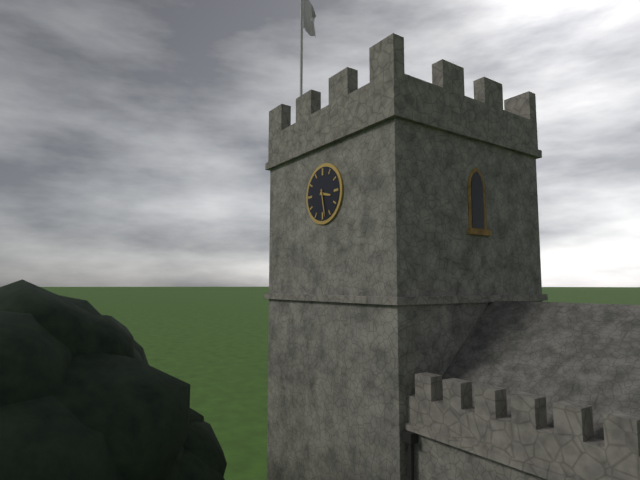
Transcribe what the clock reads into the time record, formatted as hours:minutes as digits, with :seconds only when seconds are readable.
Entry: 3:28
